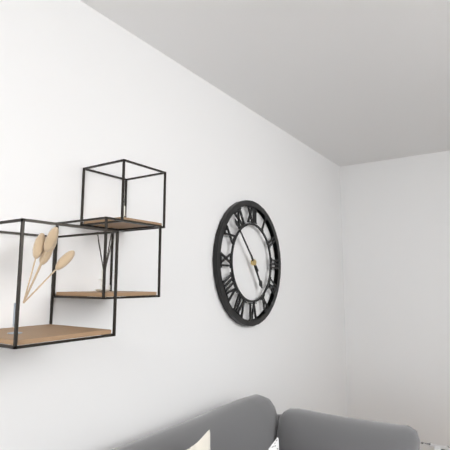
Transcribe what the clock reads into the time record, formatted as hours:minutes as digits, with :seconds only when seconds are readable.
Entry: 4:53
